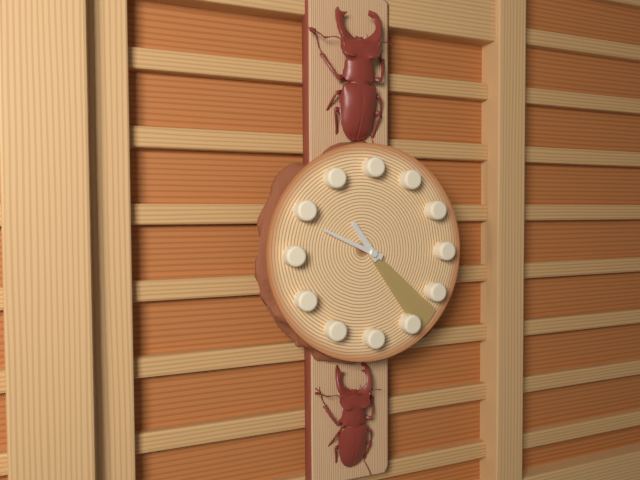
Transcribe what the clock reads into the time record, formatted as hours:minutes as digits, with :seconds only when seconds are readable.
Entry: 10:49:23
